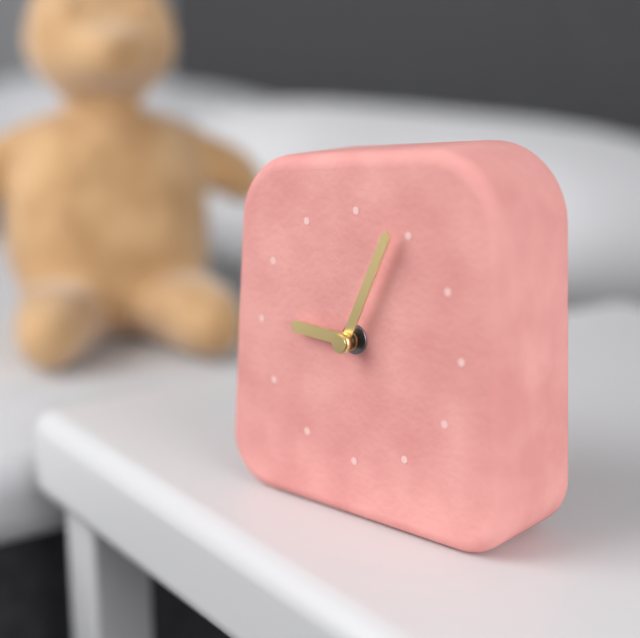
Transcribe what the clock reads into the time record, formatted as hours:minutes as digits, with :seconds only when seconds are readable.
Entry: 9:04
